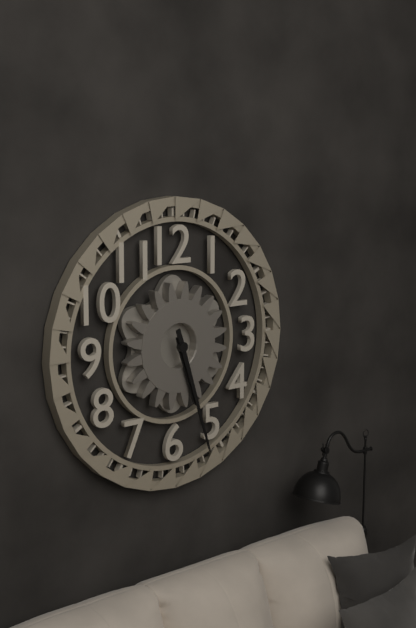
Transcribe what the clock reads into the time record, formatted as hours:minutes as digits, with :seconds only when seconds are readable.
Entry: 5:27
